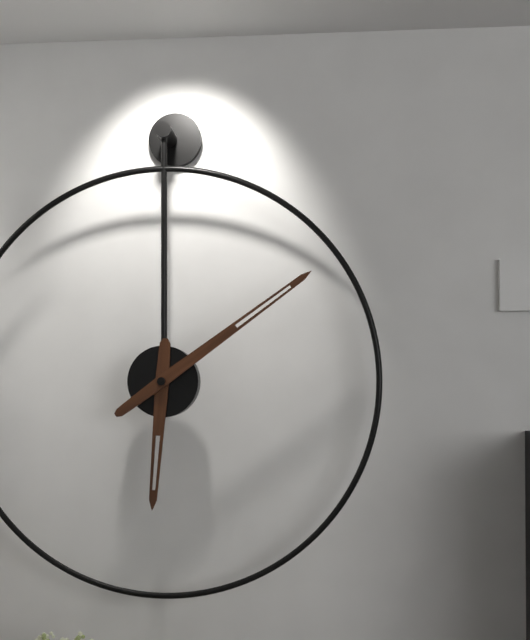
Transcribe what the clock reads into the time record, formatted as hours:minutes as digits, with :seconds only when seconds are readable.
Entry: 6:09
